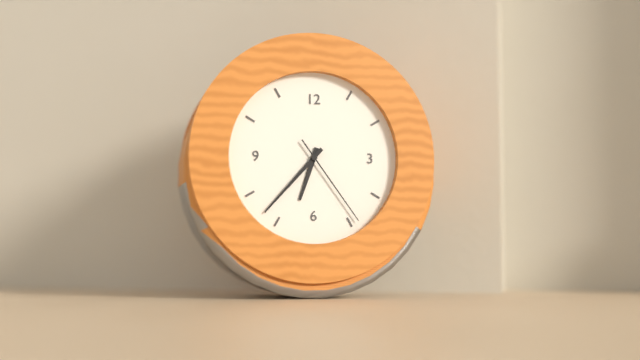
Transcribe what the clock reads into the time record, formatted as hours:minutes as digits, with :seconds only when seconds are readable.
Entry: 6:37:24
